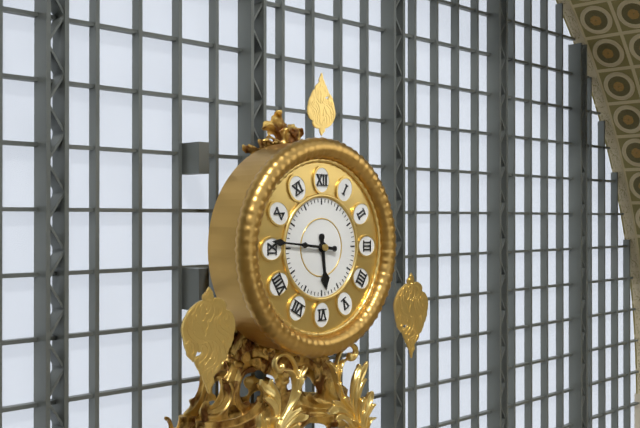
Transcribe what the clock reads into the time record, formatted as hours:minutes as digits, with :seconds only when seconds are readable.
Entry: 5:46
